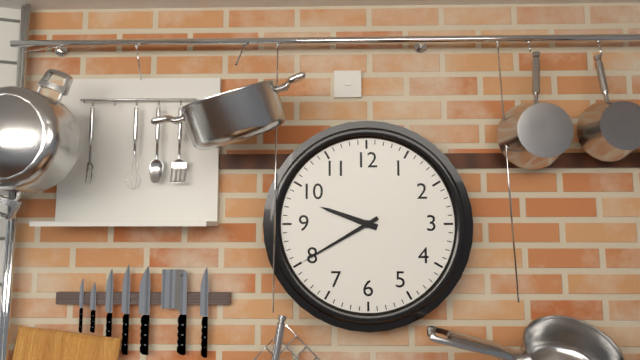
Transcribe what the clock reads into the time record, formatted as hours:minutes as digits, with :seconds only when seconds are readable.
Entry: 9:40
